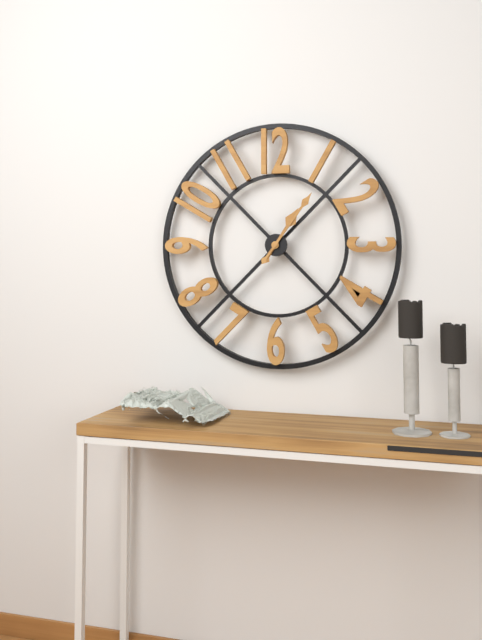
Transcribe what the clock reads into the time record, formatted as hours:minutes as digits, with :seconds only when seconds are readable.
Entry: 1:06
